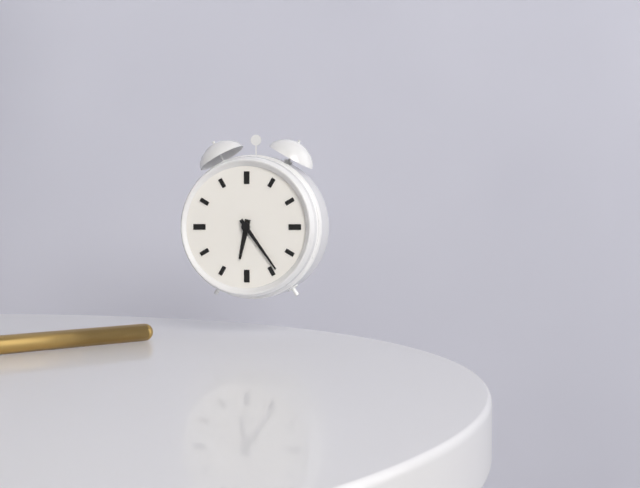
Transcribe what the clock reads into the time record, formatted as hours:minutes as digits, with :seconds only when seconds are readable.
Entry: 6:24
